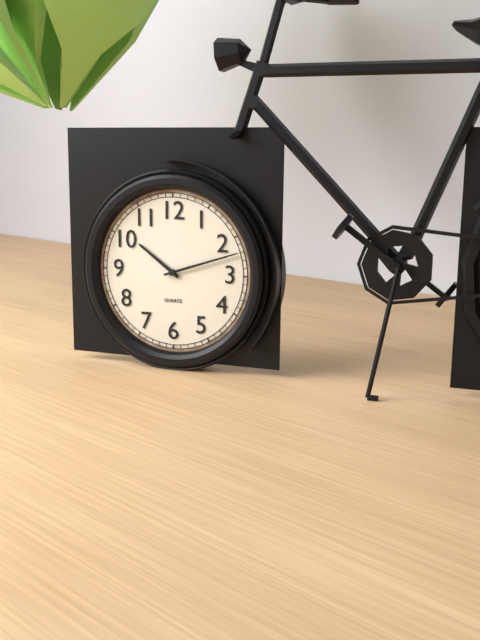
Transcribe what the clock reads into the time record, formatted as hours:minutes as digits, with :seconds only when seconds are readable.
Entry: 10:12
